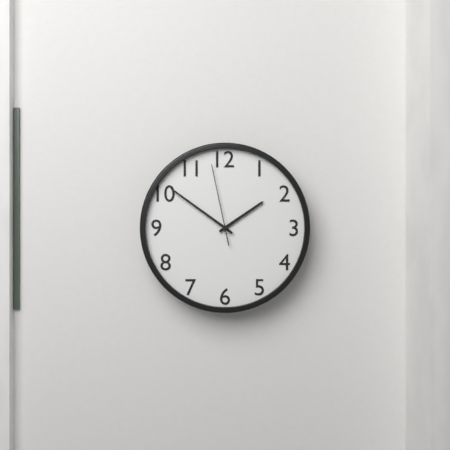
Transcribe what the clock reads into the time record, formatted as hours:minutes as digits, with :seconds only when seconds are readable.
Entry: 1:51:58
